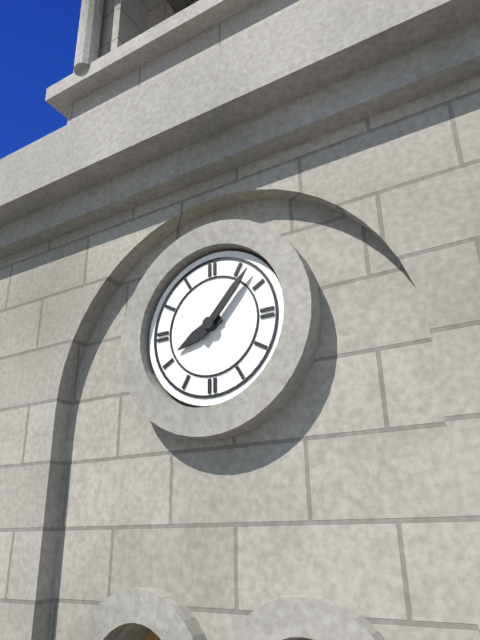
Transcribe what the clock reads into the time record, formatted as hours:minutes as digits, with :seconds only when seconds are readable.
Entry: 8:07
